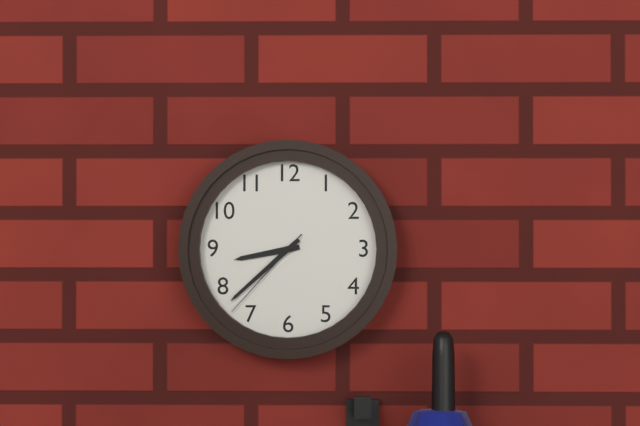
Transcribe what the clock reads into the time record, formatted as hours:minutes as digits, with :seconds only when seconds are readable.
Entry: 8:38:37
